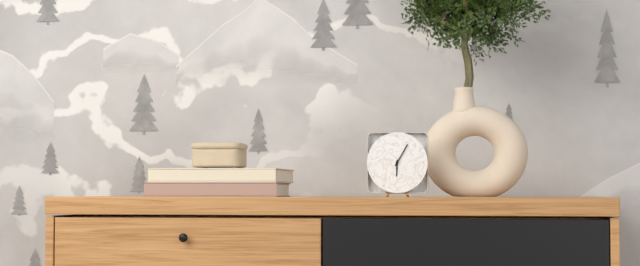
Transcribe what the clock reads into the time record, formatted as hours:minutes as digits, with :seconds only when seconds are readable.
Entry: 6:05
